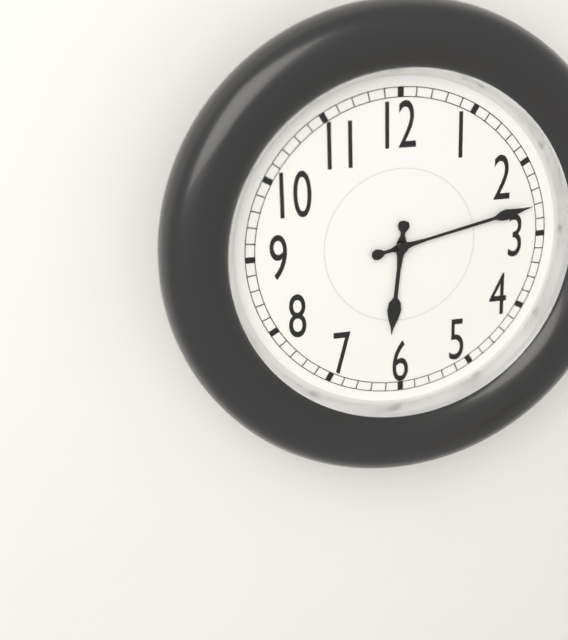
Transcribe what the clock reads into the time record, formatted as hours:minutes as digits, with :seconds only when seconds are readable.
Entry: 6:13
